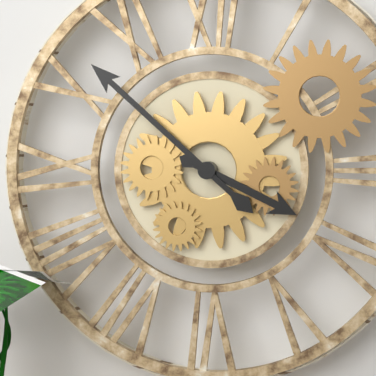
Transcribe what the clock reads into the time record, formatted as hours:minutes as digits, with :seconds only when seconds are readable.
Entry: 3:52
